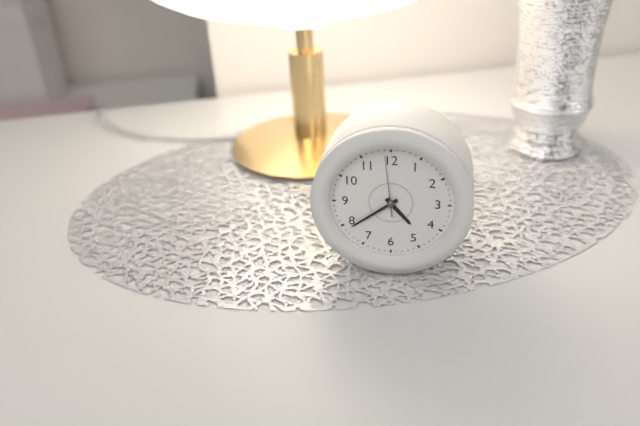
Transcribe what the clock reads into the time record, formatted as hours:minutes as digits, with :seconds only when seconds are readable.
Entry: 4:39:59
